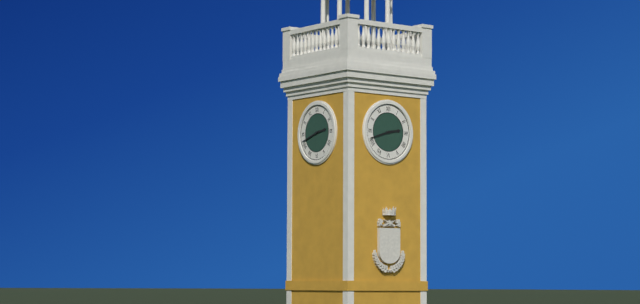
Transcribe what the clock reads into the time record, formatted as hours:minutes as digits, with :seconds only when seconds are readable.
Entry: 2:42
